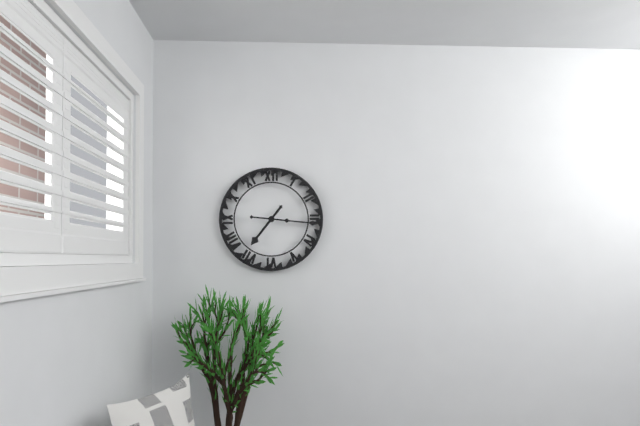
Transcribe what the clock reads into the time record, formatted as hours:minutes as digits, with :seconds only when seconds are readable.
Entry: 7:16
